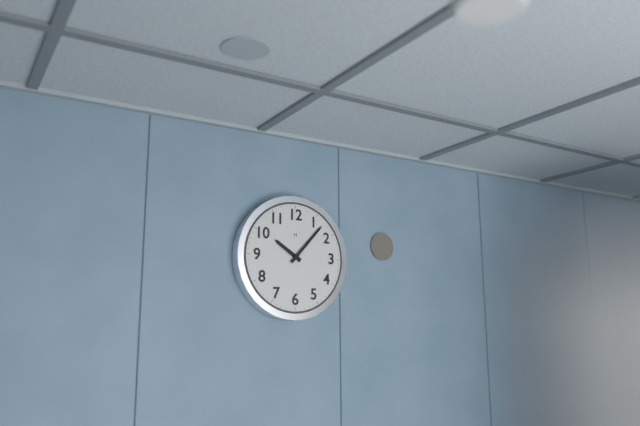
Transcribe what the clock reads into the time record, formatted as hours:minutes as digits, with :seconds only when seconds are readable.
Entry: 10:07
